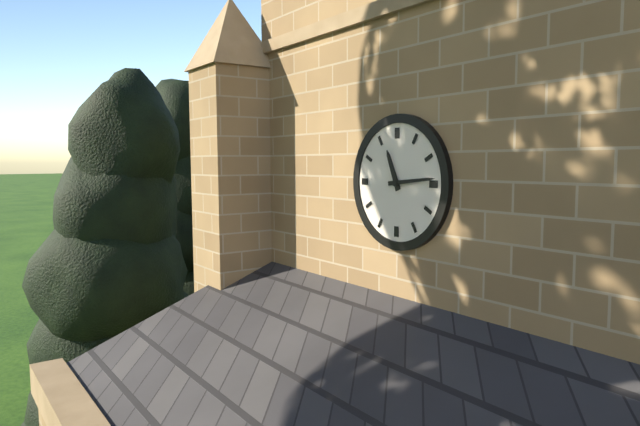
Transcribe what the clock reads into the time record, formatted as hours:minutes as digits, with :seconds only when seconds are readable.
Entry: 11:14
